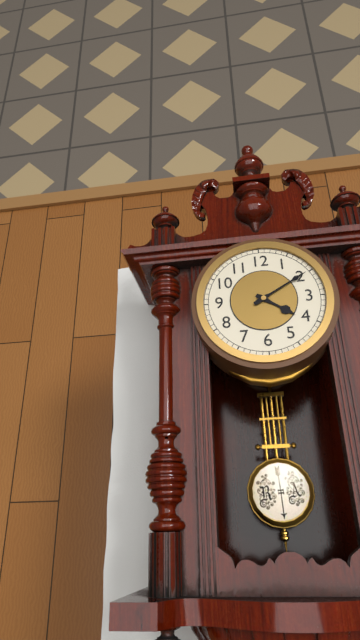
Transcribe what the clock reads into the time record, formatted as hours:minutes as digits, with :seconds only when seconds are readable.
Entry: 4:10
